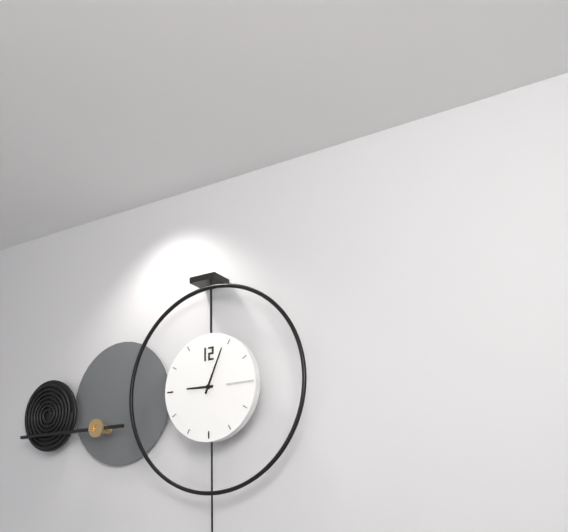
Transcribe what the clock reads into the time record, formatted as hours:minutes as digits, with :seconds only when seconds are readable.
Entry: 9:04
